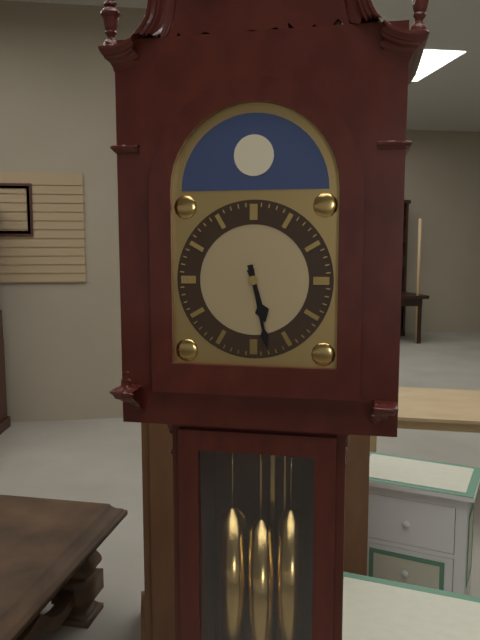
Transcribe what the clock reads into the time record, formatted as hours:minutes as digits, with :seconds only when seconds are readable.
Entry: 5:28
